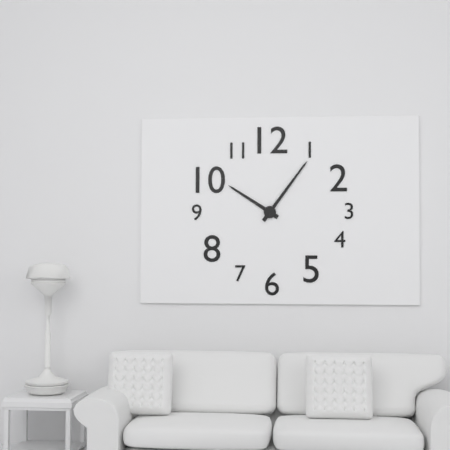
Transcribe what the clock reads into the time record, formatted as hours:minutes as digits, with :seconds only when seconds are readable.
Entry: 10:06
